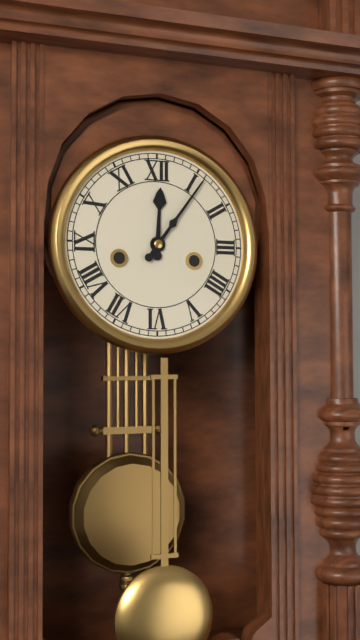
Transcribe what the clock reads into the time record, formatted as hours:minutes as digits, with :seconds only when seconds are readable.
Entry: 12:06
